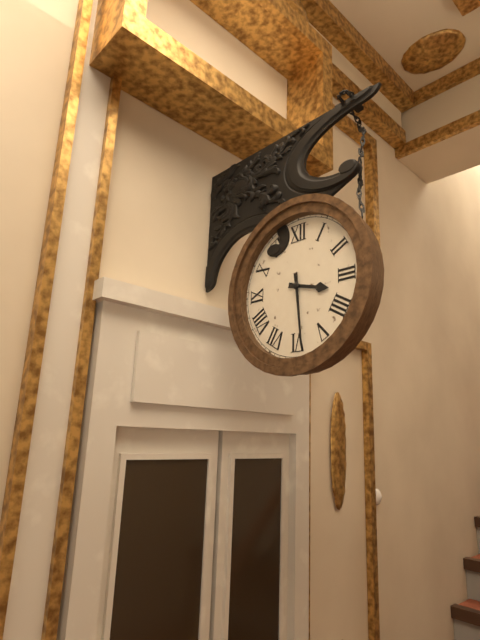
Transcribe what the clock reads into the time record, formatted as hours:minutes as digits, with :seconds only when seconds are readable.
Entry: 3:29
